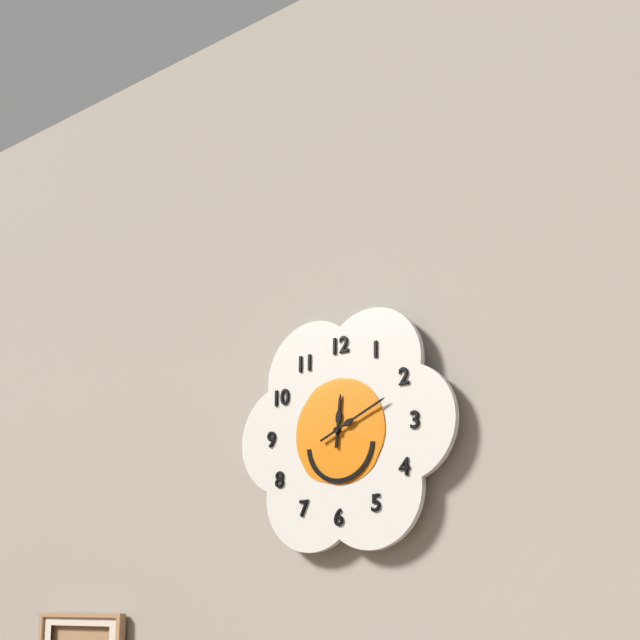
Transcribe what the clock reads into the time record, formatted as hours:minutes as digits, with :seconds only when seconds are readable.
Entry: 12:11
